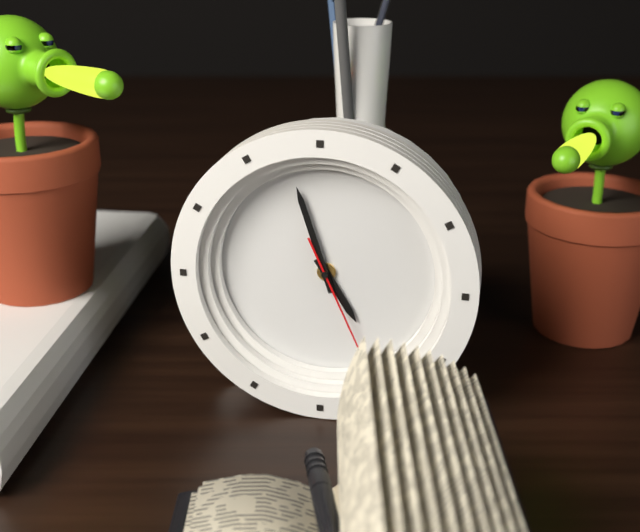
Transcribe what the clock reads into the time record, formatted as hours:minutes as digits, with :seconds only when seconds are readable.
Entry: 4:57:26
